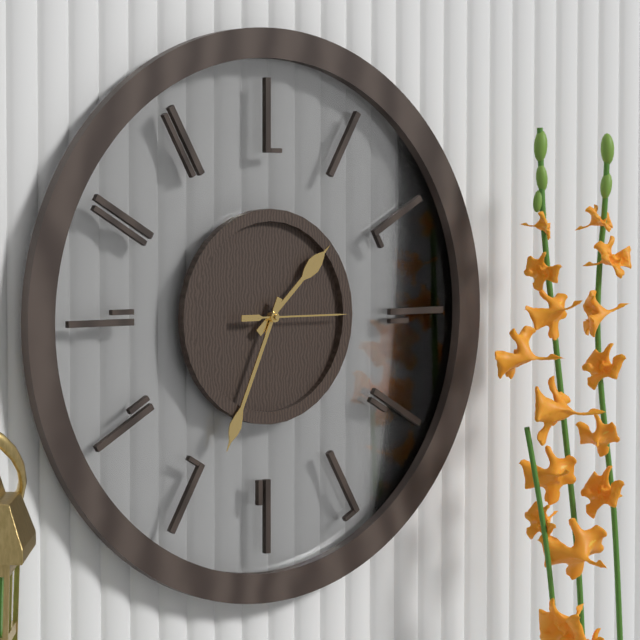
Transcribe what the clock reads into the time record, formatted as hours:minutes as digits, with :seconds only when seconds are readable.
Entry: 1:34:15
